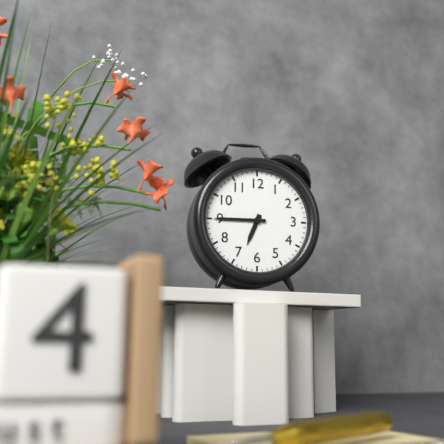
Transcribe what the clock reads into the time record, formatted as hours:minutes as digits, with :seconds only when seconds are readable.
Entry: 6:45
